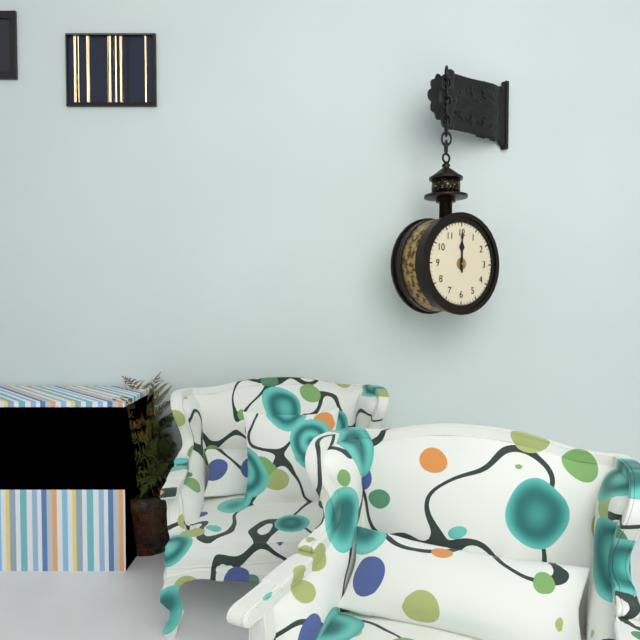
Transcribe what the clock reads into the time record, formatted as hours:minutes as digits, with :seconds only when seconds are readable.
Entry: 12:00
